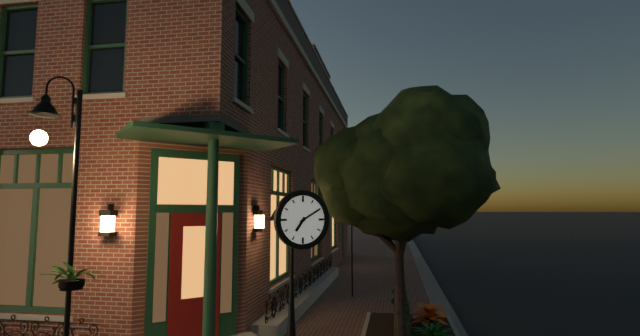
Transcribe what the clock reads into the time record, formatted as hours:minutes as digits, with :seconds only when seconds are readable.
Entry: 7:10
